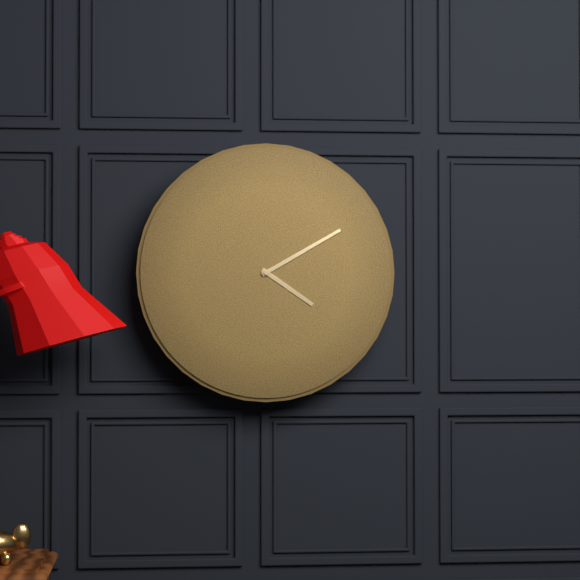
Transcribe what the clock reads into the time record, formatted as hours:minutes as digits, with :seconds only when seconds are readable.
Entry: 4:10
